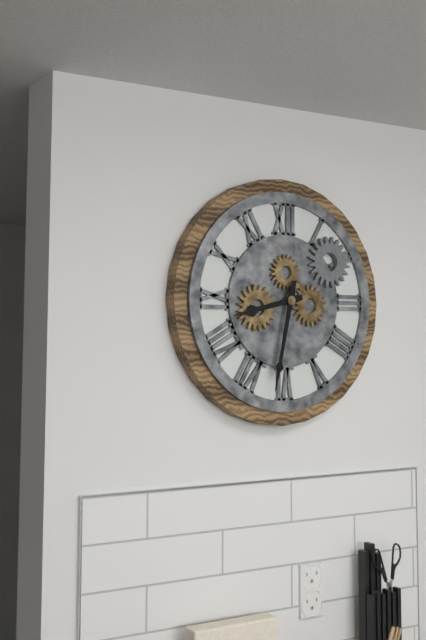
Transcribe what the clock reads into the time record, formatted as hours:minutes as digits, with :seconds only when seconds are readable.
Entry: 8:32
